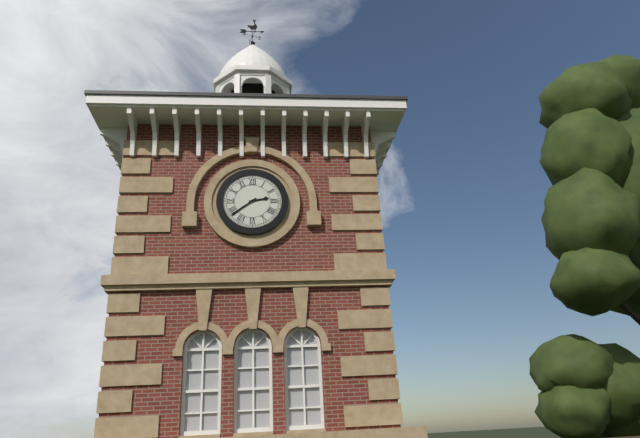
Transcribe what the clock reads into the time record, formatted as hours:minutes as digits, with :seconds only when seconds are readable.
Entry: 2:39
